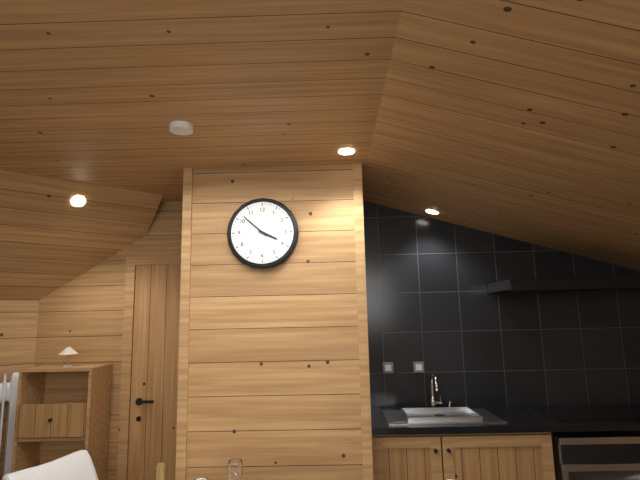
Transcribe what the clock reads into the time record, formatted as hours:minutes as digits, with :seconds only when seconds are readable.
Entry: 3:52
